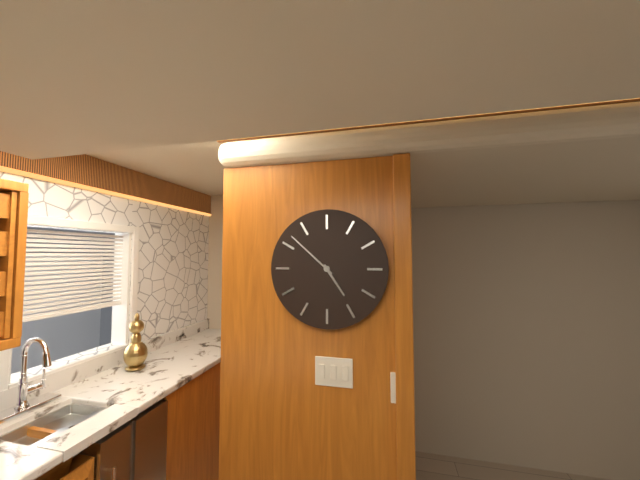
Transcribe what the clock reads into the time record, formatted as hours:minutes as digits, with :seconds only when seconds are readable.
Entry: 4:52
